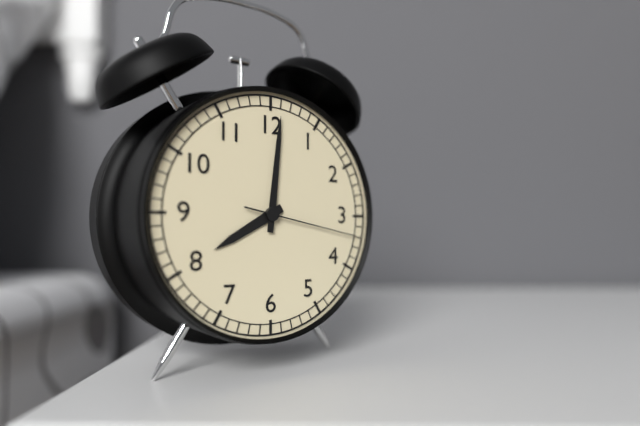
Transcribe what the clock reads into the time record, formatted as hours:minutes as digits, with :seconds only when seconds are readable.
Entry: 8:01:17
